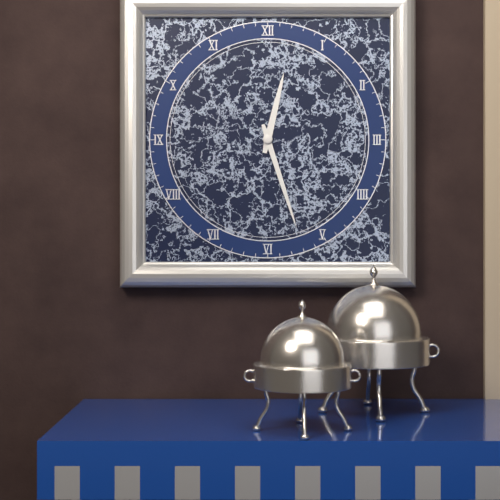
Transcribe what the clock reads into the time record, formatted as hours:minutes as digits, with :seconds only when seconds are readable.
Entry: 12:27
